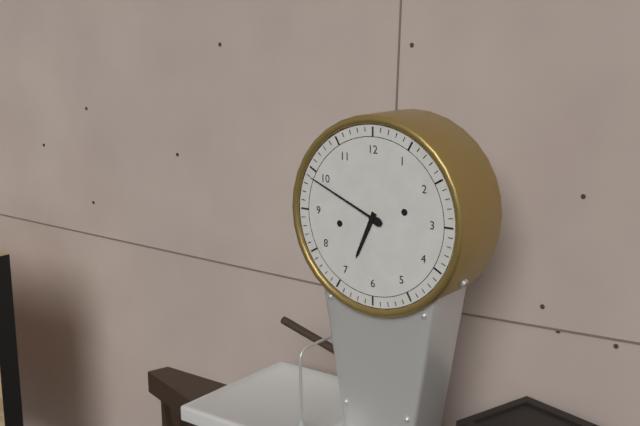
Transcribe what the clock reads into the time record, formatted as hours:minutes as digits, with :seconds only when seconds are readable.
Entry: 6:49
